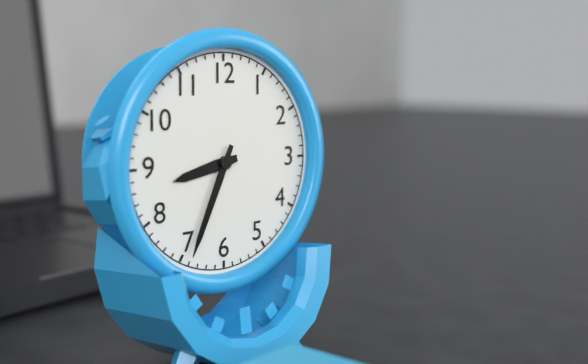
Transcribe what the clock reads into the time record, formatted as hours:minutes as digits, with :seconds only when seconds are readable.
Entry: 8:34
